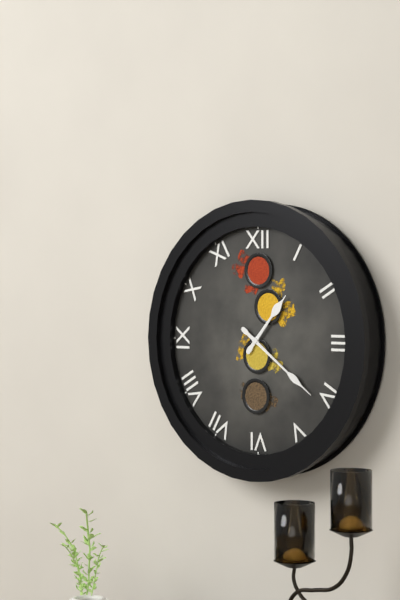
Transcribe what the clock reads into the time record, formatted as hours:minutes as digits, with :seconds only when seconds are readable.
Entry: 1:21
